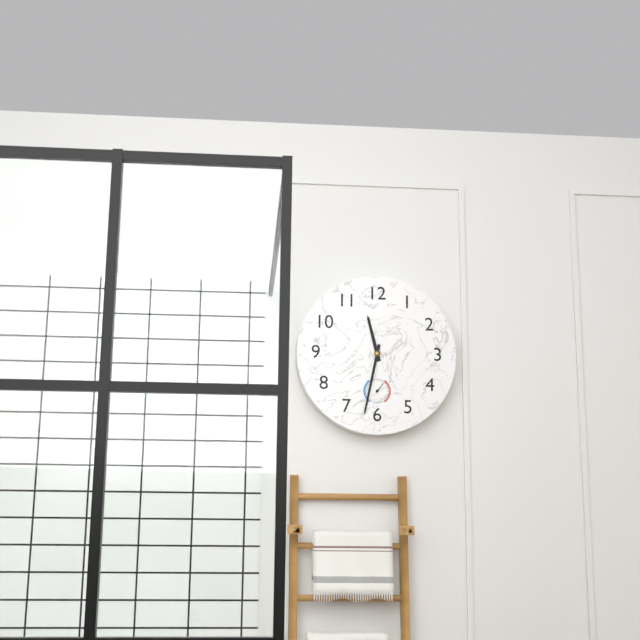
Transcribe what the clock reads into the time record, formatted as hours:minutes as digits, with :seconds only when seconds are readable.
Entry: 11:32
